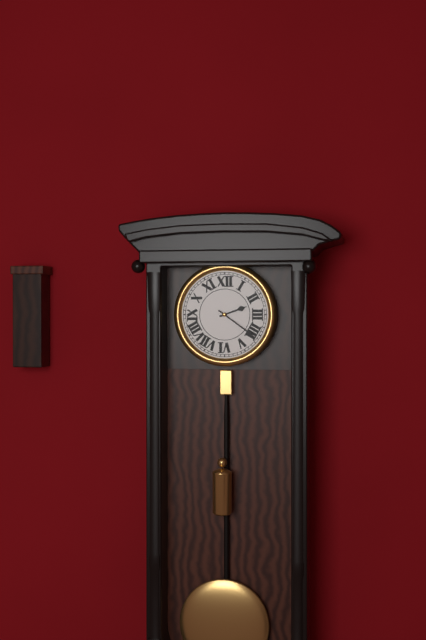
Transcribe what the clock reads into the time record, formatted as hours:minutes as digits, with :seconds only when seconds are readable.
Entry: 2:21
